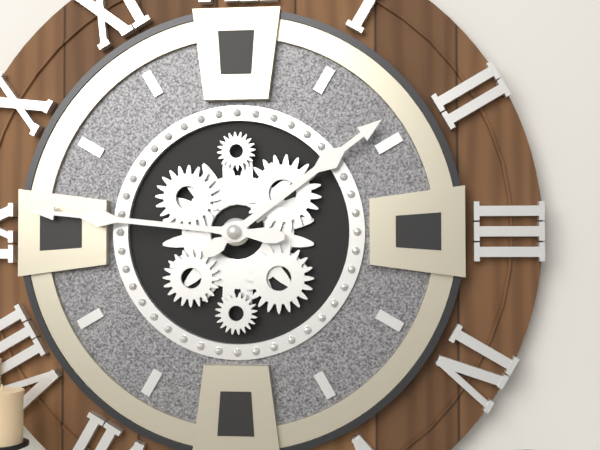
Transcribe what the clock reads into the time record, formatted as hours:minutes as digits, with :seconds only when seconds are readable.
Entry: 1:46
